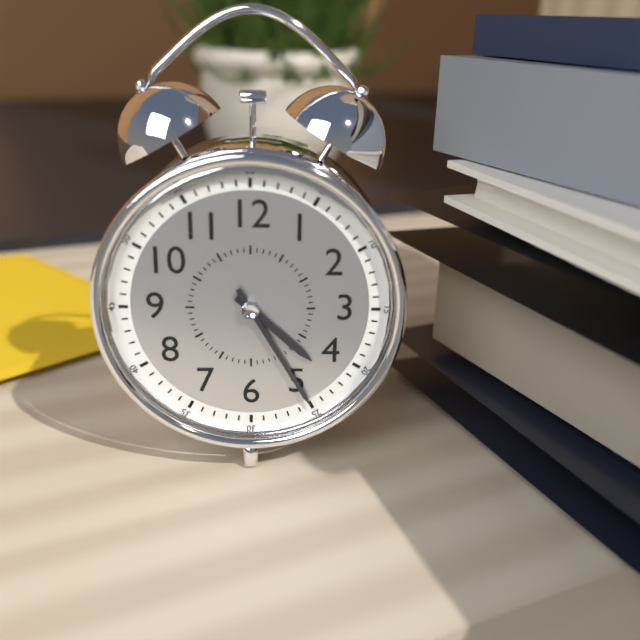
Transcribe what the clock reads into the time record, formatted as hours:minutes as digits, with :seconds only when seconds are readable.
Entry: 4:25
